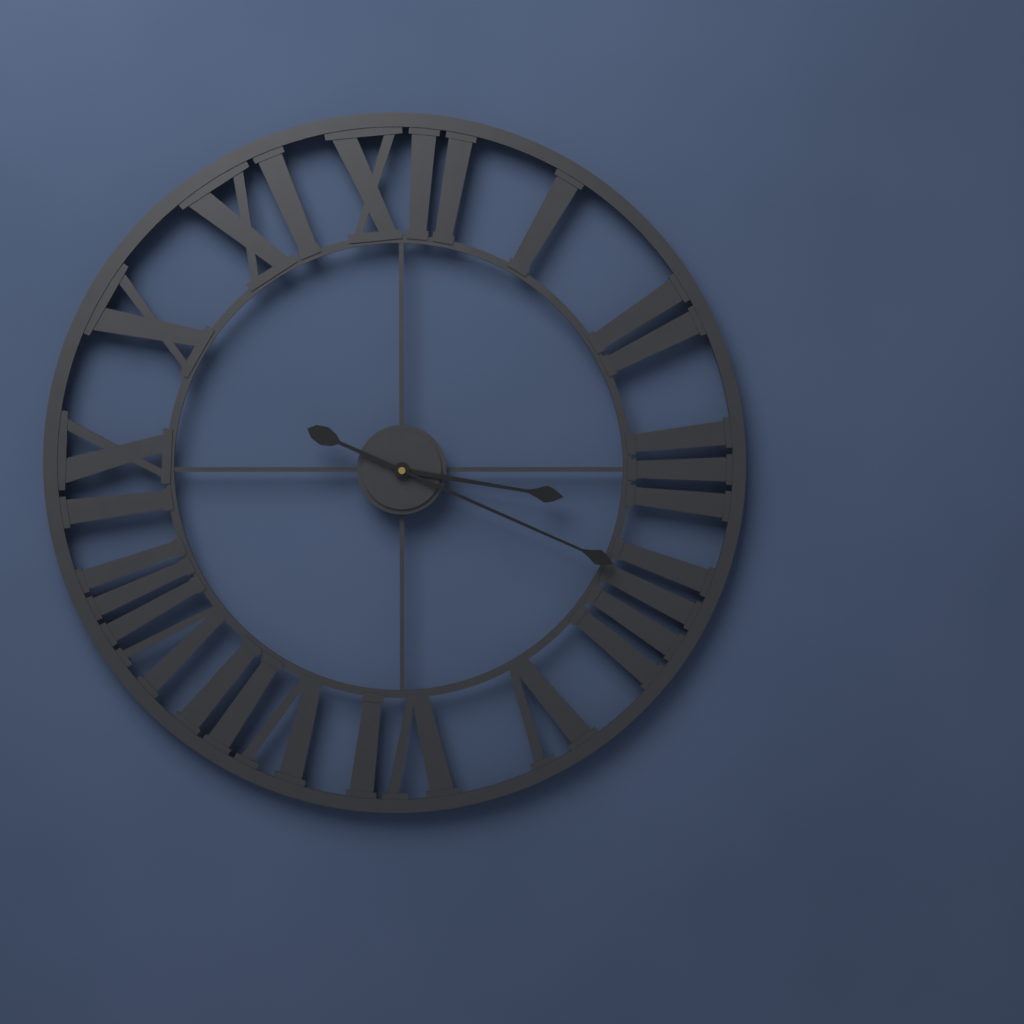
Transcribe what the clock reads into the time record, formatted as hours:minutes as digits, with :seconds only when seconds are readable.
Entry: 3:19
